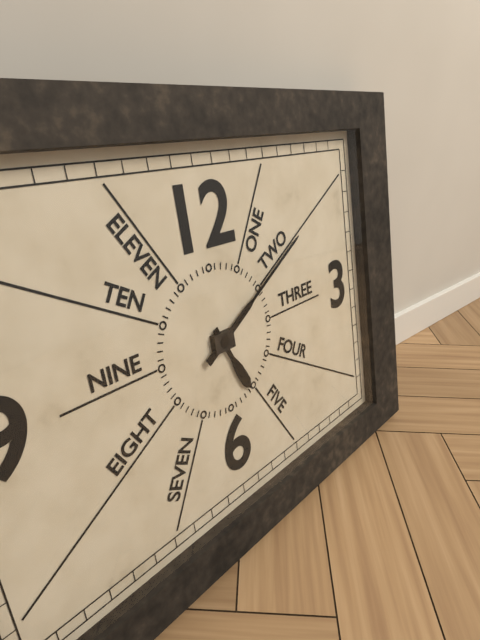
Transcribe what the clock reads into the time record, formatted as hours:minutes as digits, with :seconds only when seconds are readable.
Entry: 5:10
